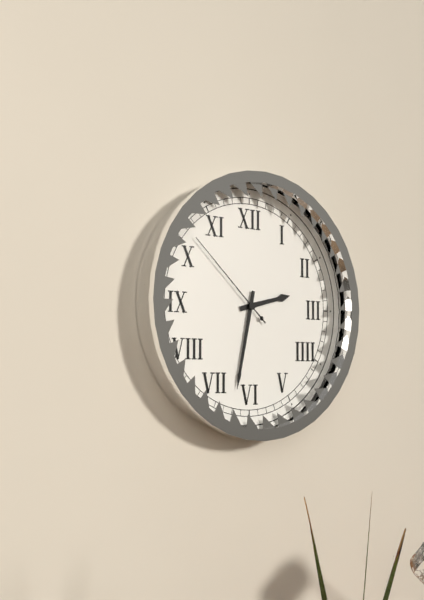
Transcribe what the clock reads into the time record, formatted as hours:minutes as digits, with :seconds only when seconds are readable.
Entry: 2:32:52
